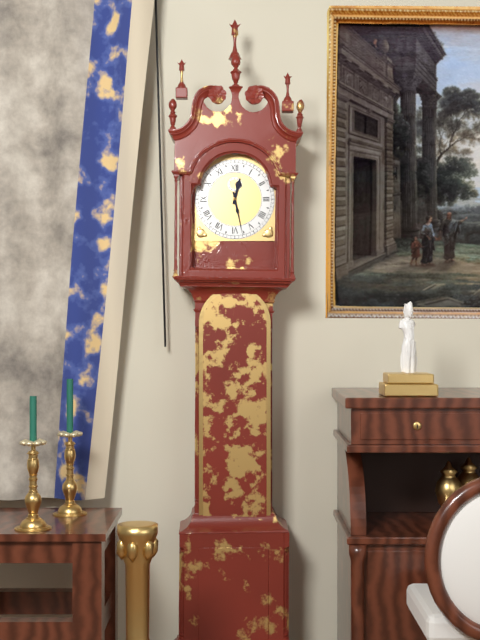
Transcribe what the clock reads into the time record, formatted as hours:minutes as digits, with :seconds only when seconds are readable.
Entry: 12:28
